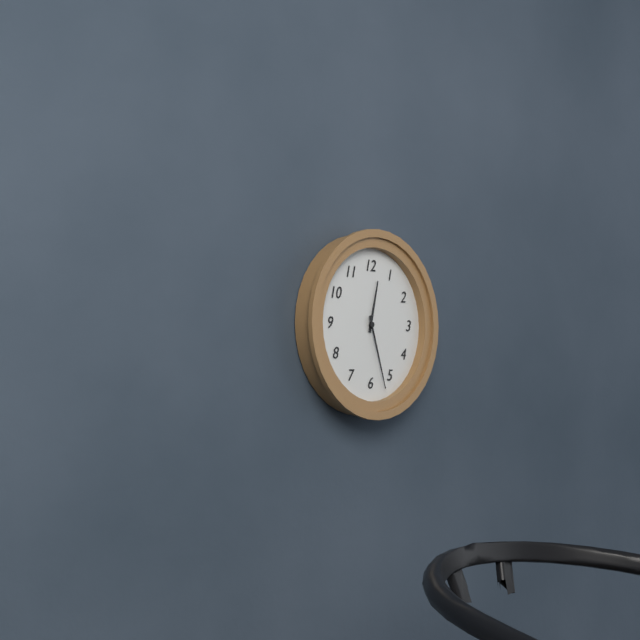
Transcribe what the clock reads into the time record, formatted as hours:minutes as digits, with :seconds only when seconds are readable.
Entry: 12:27
